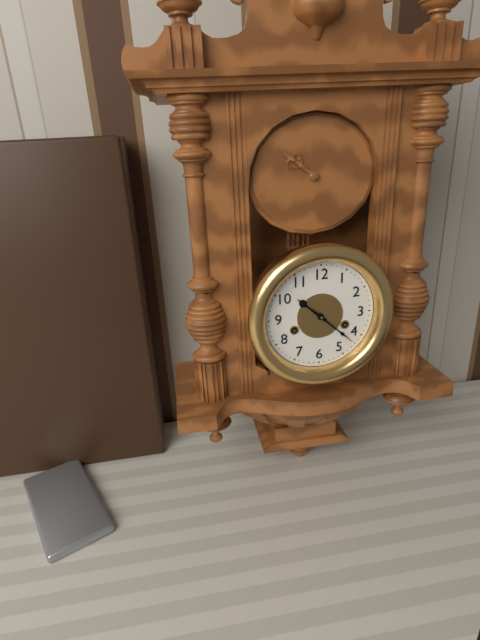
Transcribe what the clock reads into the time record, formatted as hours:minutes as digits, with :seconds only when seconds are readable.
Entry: 10:22
